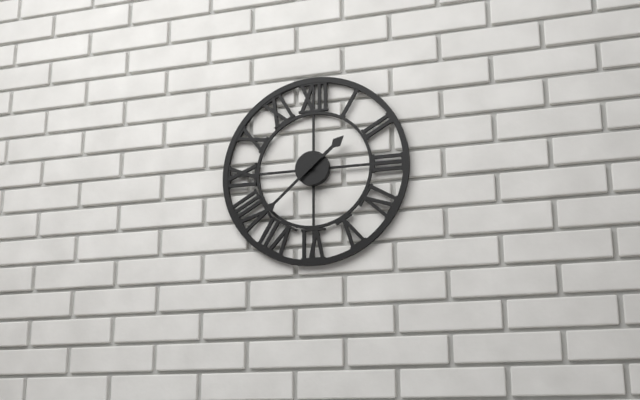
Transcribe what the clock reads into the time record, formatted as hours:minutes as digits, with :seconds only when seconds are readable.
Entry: 1:38
